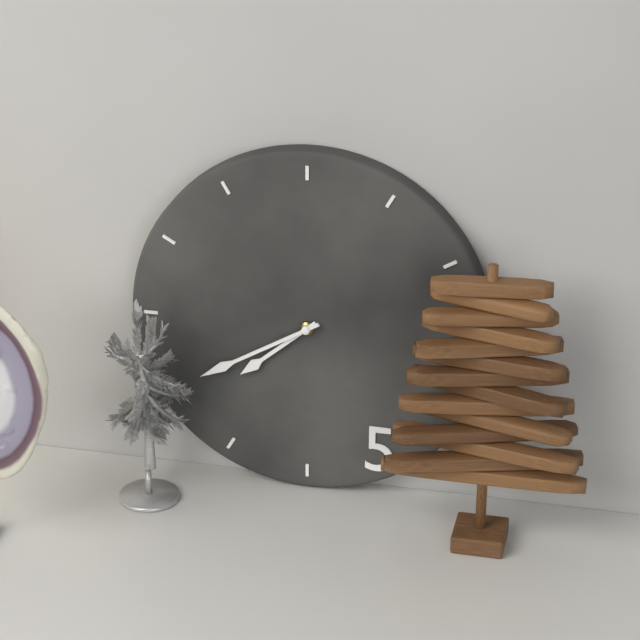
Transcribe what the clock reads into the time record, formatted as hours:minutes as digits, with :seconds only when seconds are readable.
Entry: 7:40
